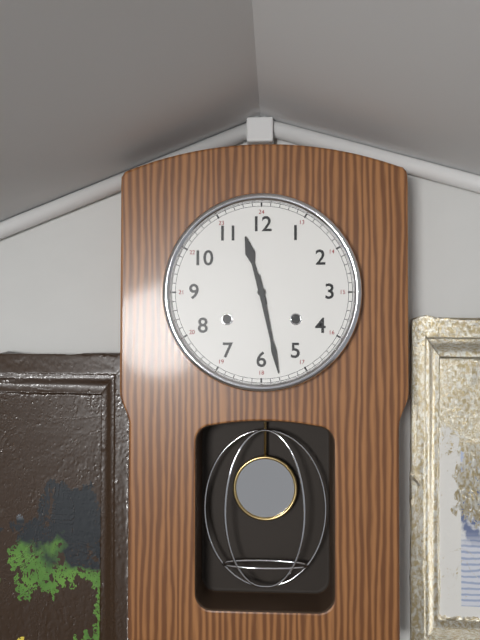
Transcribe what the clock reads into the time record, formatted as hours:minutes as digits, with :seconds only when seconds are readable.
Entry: 11:28
